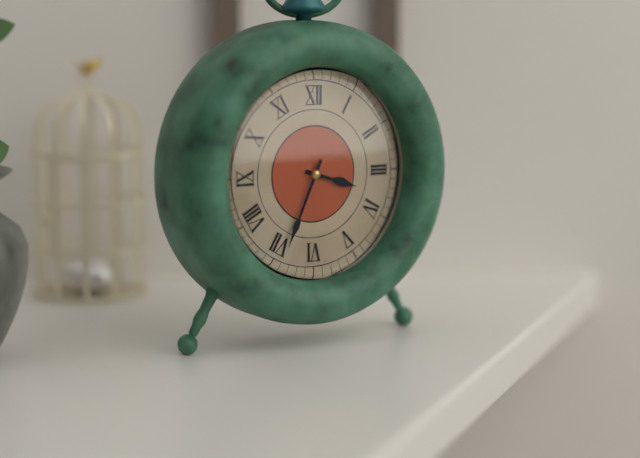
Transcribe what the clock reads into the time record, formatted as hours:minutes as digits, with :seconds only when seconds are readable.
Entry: 3:34
